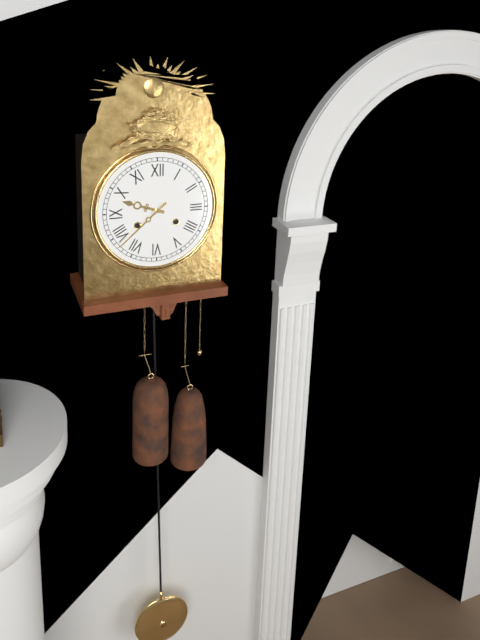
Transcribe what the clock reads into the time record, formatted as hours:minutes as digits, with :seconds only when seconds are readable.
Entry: 9:38
